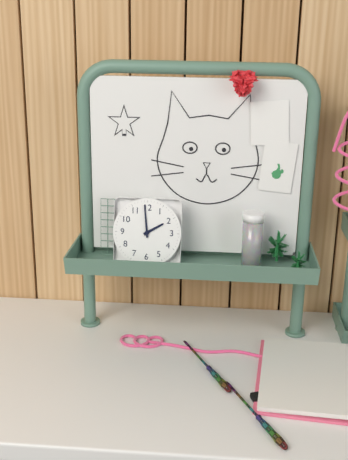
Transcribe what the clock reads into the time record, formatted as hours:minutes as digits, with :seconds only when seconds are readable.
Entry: 1:59
